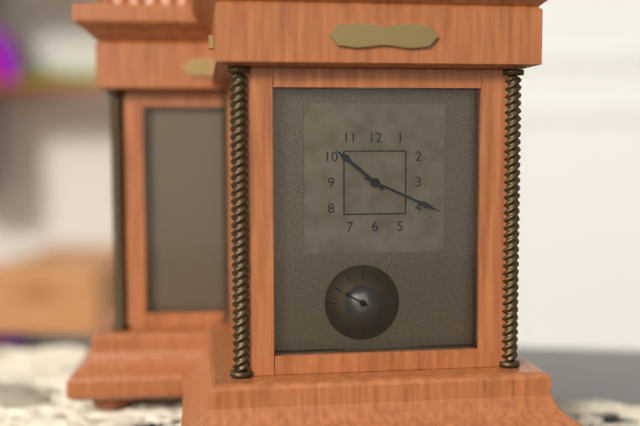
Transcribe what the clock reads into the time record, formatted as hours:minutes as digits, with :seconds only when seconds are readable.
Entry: 10:19
